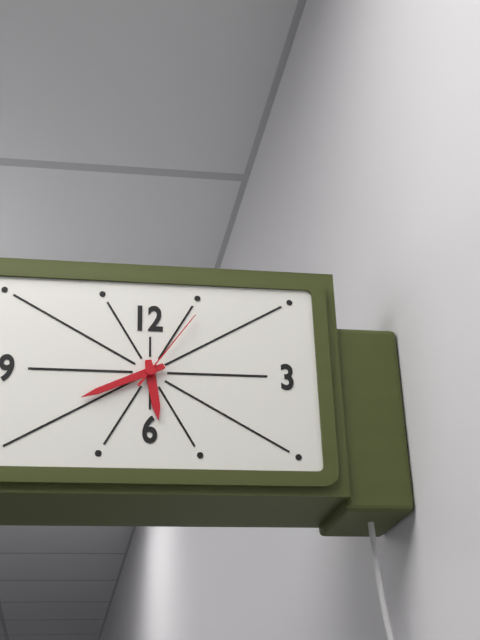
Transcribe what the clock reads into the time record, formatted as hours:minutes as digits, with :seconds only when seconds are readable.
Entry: 5:41:06
